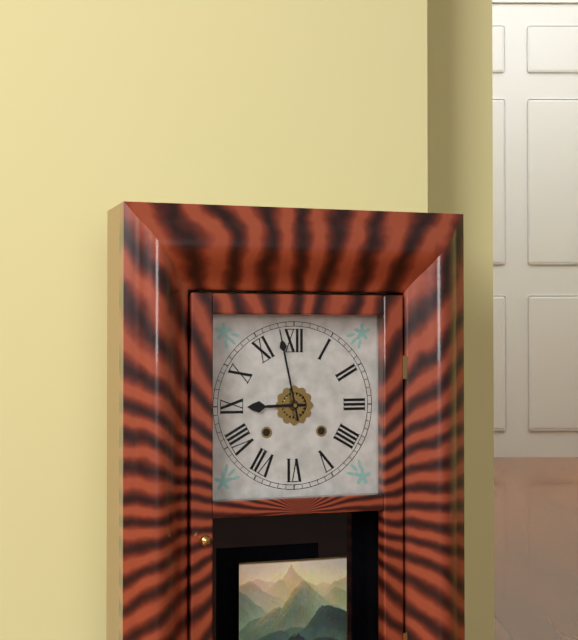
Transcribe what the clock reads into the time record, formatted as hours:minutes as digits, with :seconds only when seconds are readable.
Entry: 8:58
